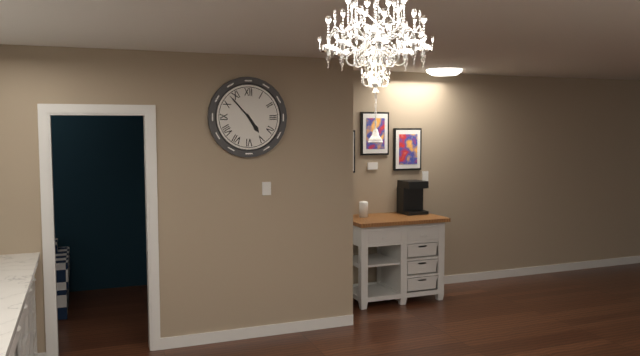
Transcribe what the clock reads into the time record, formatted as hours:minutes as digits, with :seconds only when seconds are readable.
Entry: 4:53
